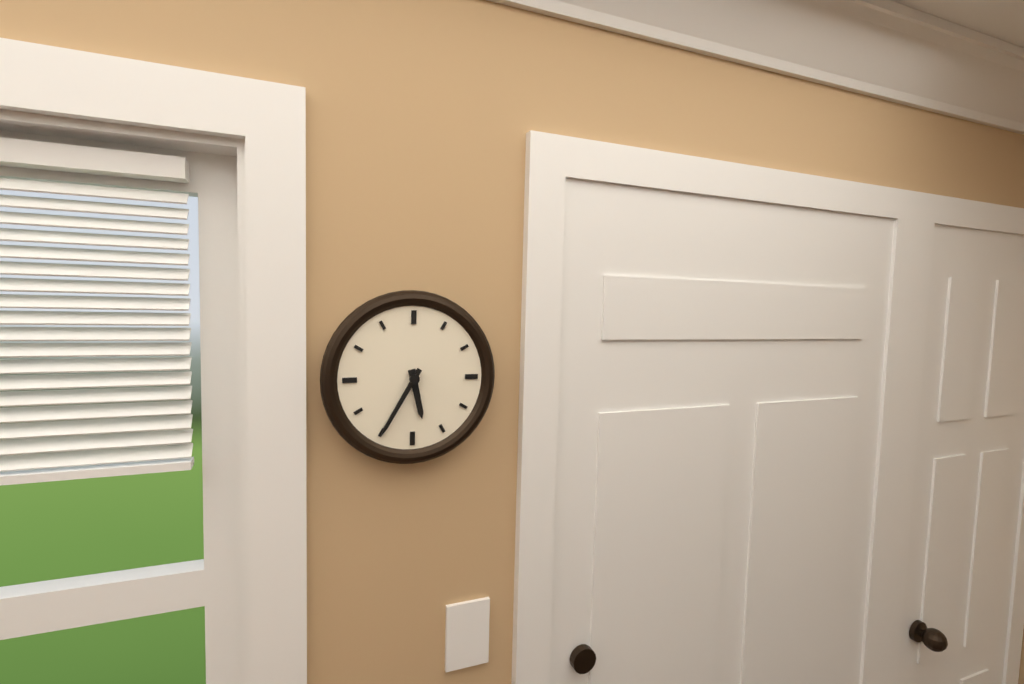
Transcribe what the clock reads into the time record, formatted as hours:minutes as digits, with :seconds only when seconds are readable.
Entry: 5:35
